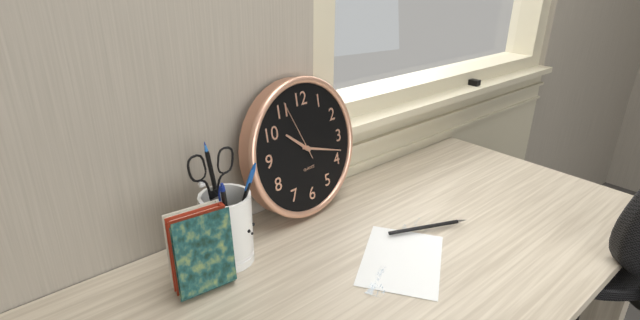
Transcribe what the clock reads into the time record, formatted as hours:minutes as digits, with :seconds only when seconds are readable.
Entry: 10:18:56
